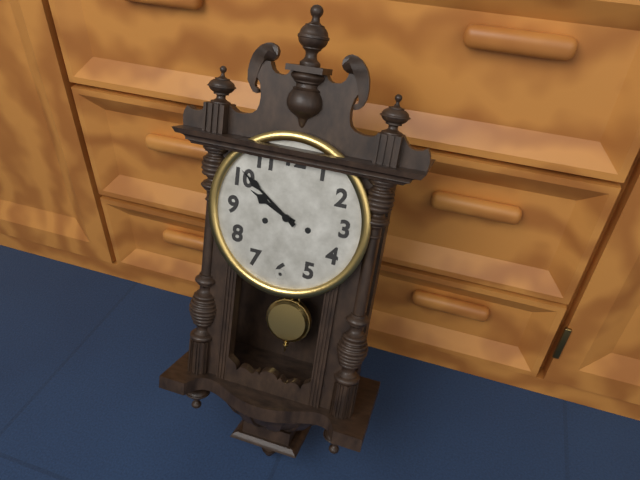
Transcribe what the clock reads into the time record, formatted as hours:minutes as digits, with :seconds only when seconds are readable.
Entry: 9:51
